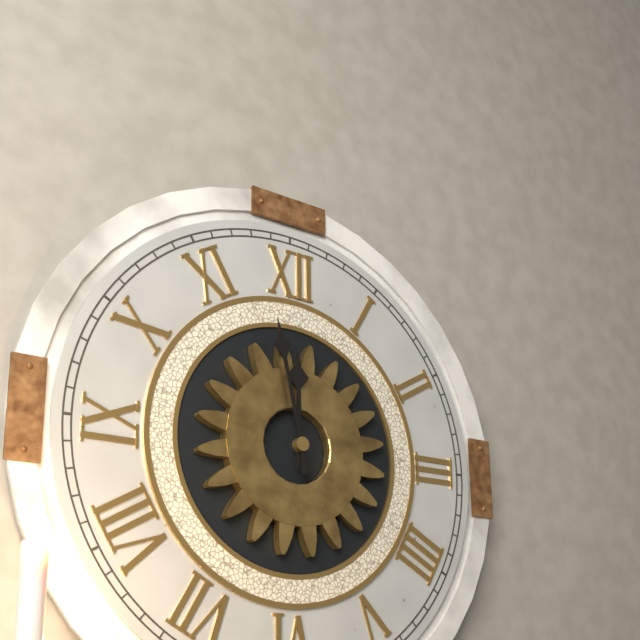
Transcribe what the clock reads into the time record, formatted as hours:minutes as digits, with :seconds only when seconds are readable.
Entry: 11:58
